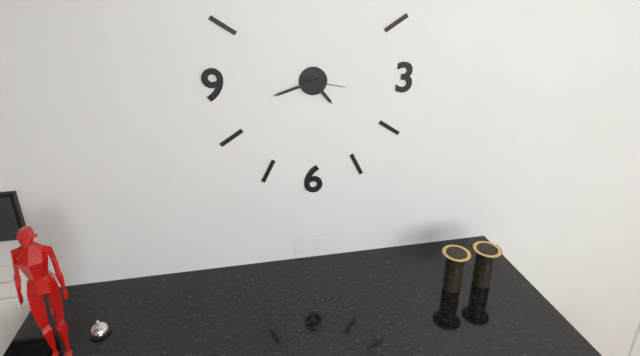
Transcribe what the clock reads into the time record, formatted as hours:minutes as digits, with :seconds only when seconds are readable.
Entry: 4:42
